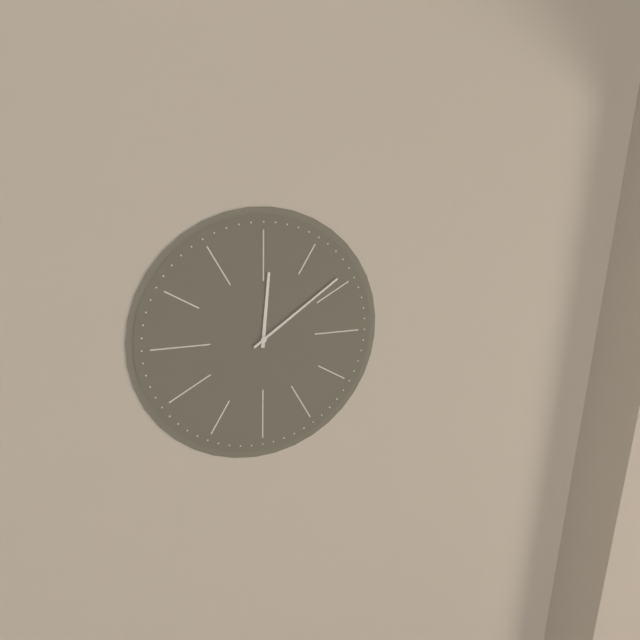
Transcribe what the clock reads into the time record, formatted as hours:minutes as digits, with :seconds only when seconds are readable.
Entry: 12:09
